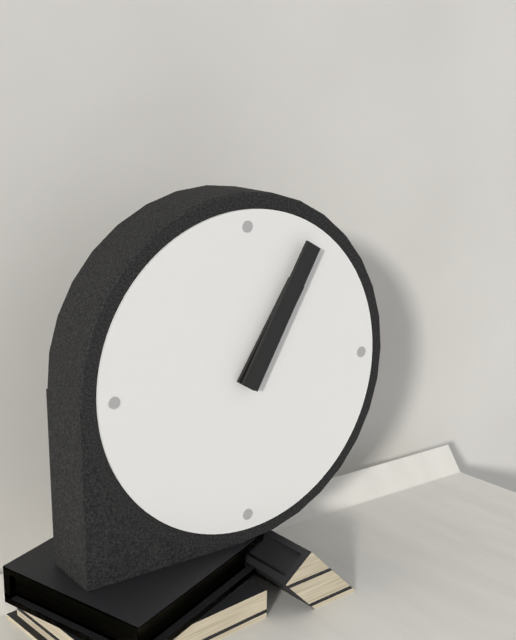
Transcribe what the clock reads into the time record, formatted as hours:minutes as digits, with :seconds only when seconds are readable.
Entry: 1:05
